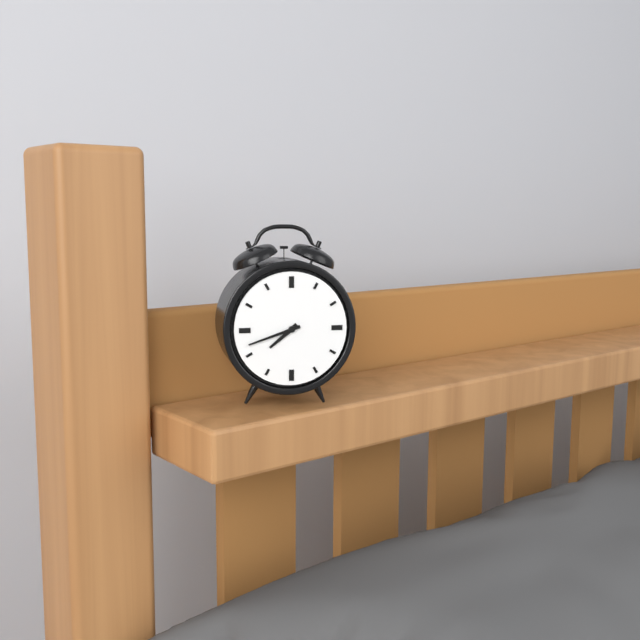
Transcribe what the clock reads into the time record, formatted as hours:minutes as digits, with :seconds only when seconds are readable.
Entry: 7:42
